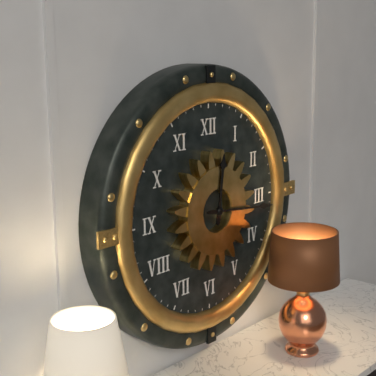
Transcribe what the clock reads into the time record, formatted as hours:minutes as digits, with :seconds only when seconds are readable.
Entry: 12:16
